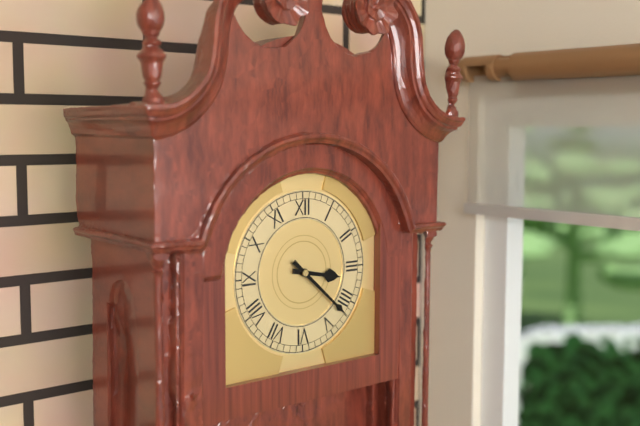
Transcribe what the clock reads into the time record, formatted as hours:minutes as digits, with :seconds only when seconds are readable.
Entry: 3:22
